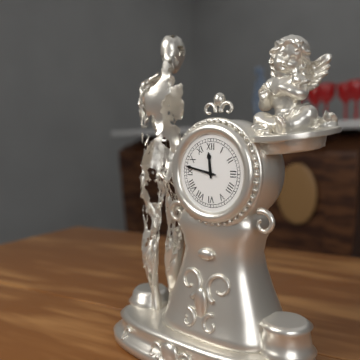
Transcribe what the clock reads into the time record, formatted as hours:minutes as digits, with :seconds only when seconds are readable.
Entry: 11:47
